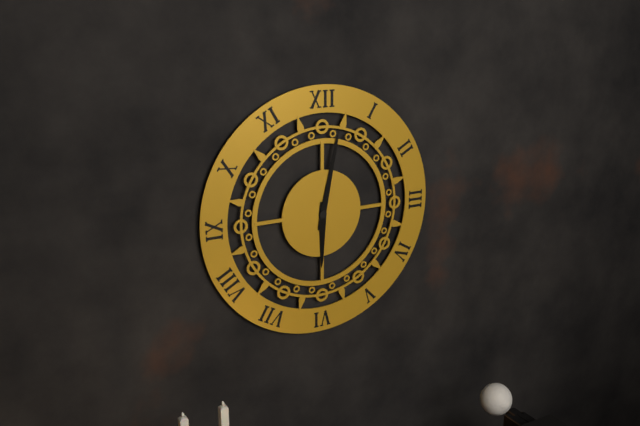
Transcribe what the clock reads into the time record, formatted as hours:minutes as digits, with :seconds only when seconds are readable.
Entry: 6:02
